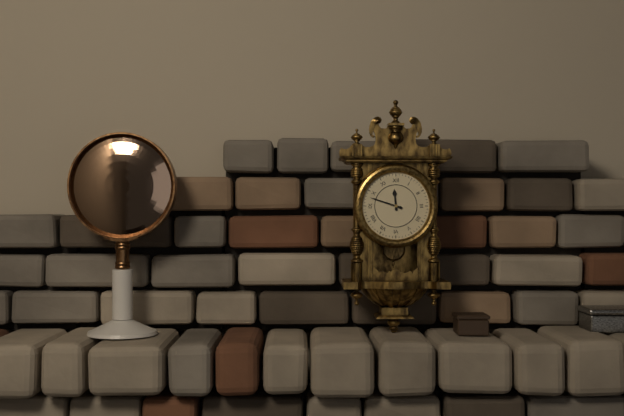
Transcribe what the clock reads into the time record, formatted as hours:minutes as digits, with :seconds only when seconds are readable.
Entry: 11:48
